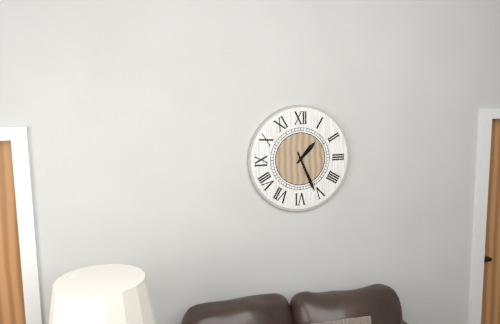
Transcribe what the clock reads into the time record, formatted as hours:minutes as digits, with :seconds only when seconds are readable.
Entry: 1:26
